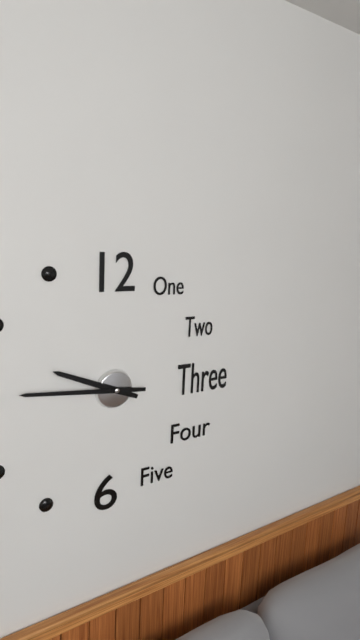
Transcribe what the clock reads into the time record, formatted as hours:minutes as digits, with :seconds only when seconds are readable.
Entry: 9:46
